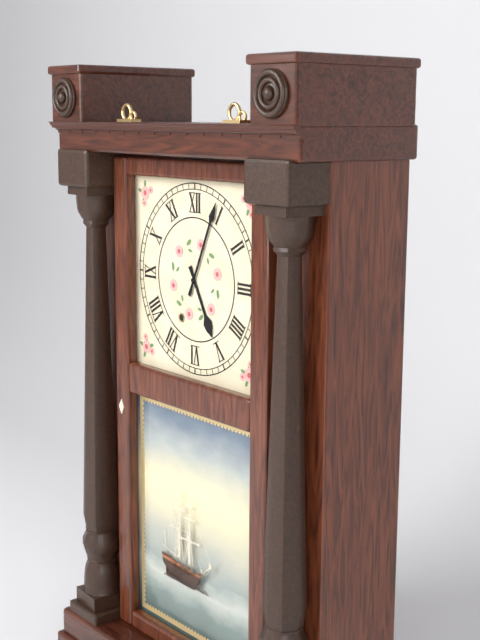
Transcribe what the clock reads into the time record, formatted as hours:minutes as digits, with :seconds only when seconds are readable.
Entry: 5:04
